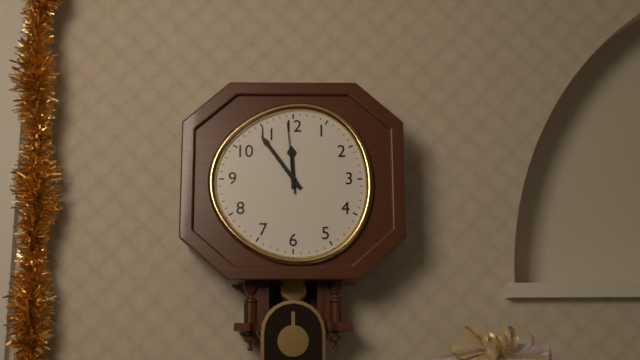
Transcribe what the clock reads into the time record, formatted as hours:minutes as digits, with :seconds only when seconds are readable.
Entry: 11:54:59
